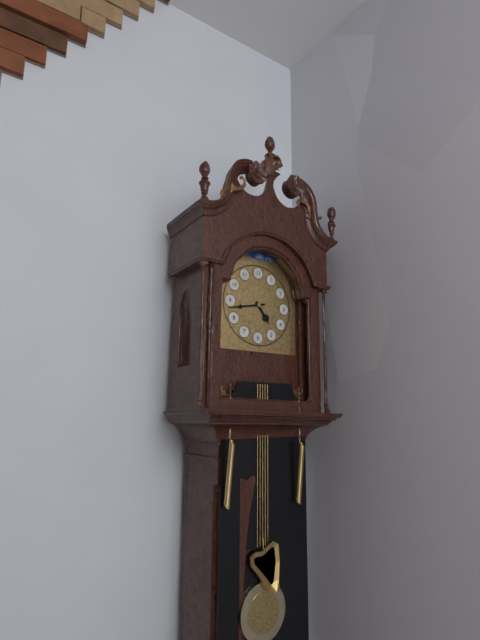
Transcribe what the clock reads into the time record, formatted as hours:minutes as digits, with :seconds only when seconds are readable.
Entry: 4:43
